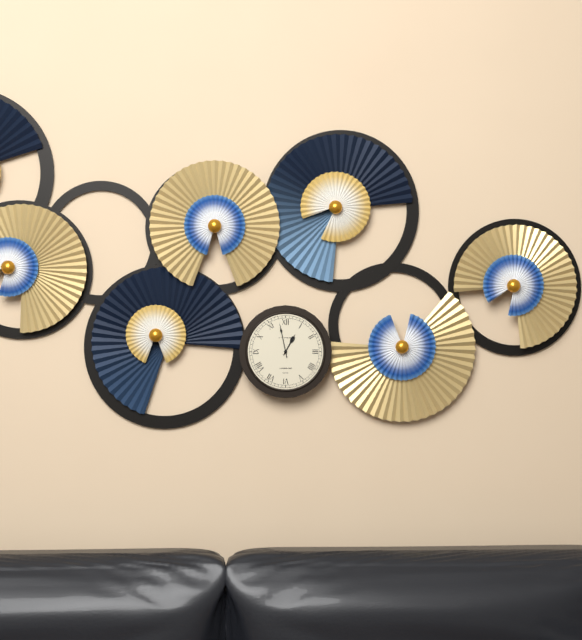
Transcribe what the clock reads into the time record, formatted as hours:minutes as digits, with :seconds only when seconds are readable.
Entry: 12:58
